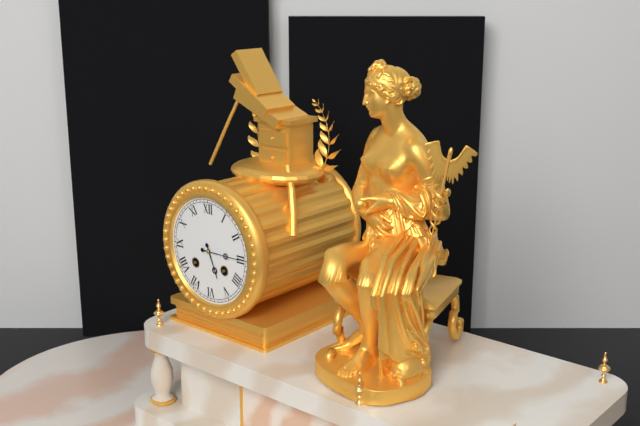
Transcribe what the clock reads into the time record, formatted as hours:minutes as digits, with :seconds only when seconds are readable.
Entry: 5:15
